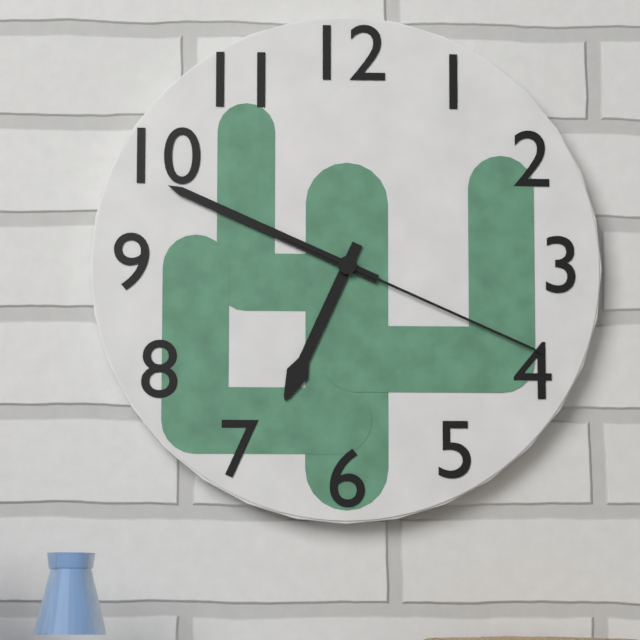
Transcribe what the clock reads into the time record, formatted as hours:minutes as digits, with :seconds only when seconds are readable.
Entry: 6:49:19
